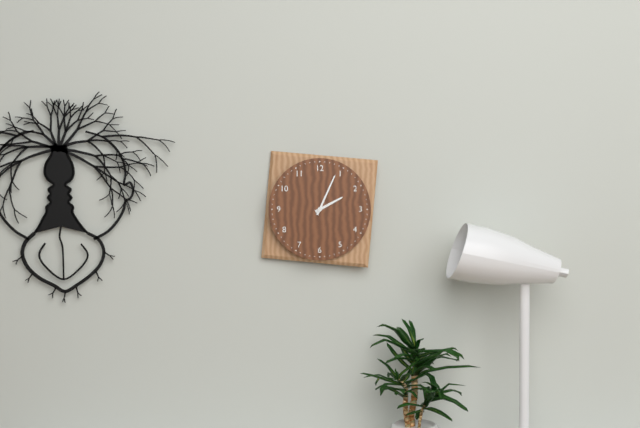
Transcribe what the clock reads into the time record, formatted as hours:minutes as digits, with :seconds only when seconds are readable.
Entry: 2:04
